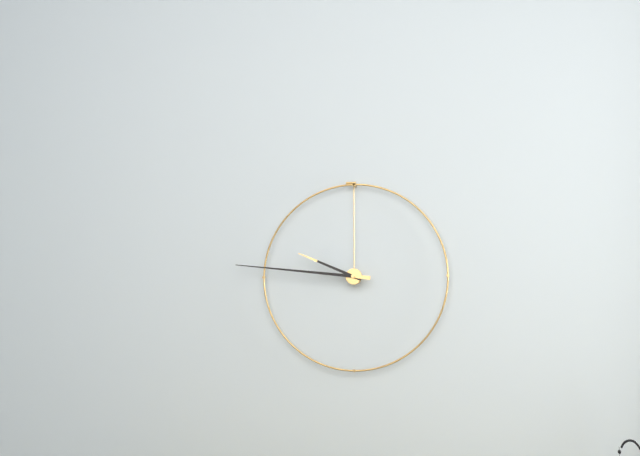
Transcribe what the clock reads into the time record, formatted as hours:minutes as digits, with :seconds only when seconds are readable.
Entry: 9:46
